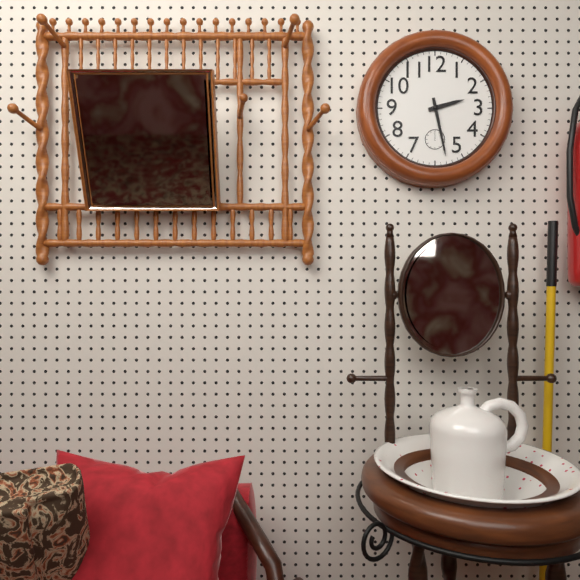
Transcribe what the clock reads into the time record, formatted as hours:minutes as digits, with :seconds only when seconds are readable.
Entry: 2:28
